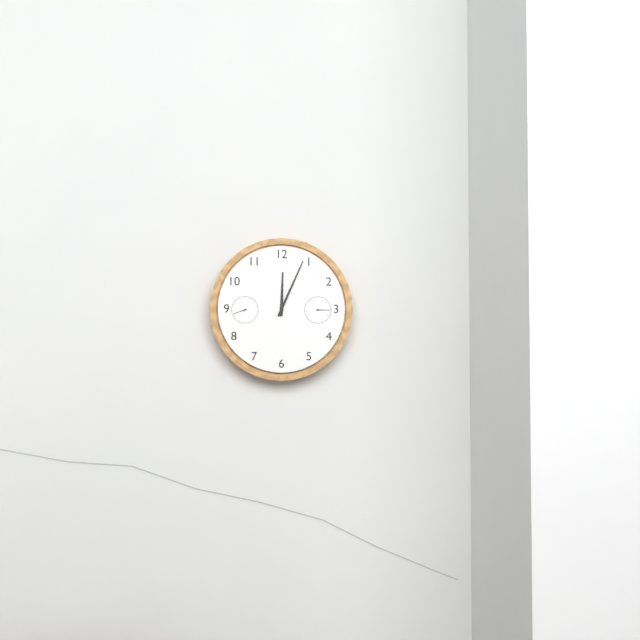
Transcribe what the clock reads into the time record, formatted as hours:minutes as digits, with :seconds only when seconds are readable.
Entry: 12:04
